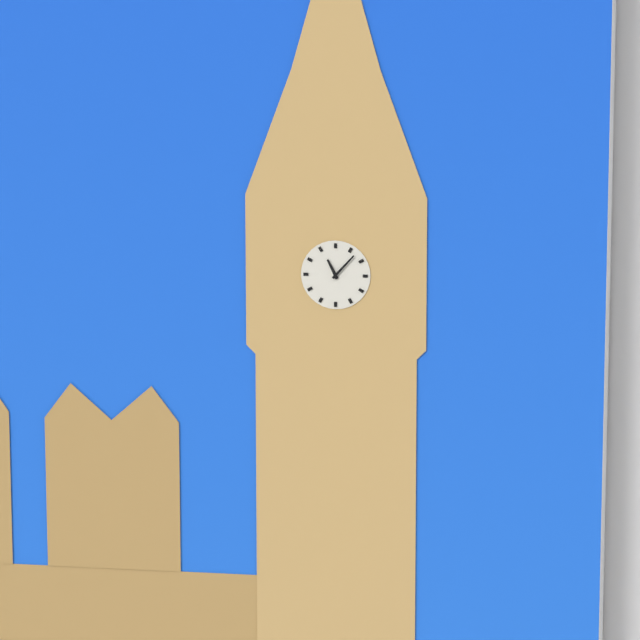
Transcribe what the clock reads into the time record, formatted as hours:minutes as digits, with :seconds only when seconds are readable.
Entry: 11:07
